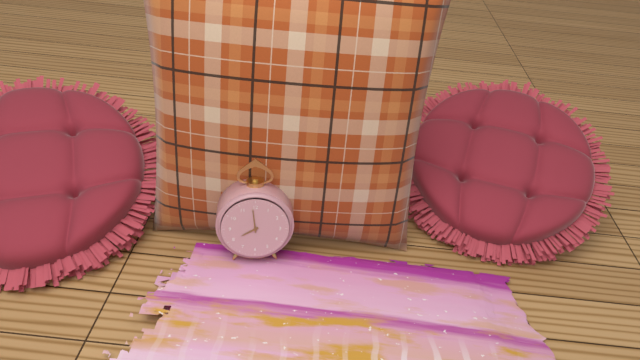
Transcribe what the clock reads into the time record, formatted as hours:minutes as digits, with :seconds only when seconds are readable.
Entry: 7:59
